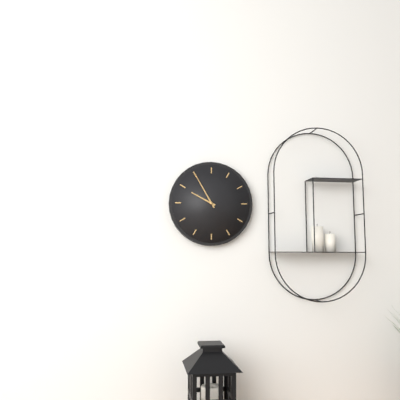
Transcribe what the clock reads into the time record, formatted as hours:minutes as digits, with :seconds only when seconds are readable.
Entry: 9:55
